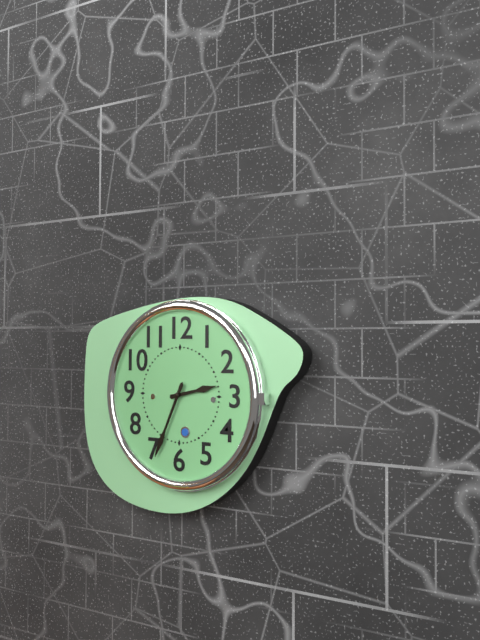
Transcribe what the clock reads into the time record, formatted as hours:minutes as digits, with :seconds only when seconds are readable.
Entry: 2:34
